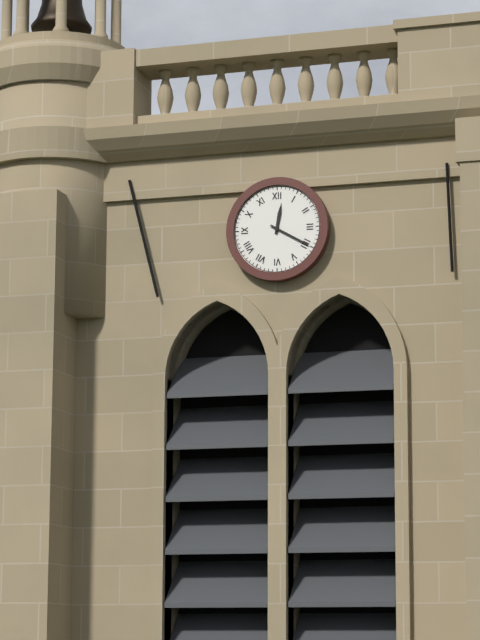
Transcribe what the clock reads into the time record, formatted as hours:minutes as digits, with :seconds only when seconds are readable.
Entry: 12:20
